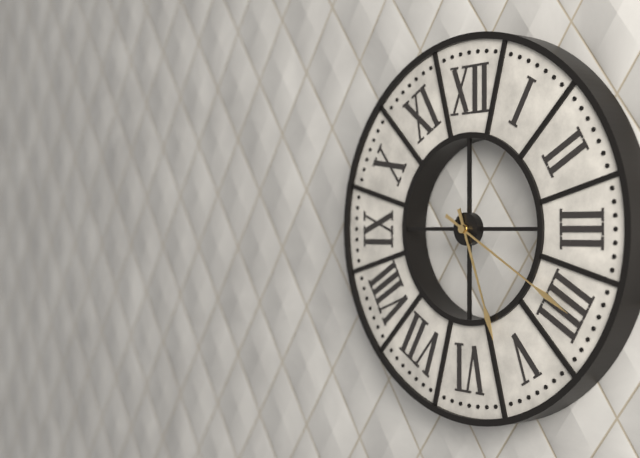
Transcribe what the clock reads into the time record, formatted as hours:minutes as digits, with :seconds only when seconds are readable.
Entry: 5:20
